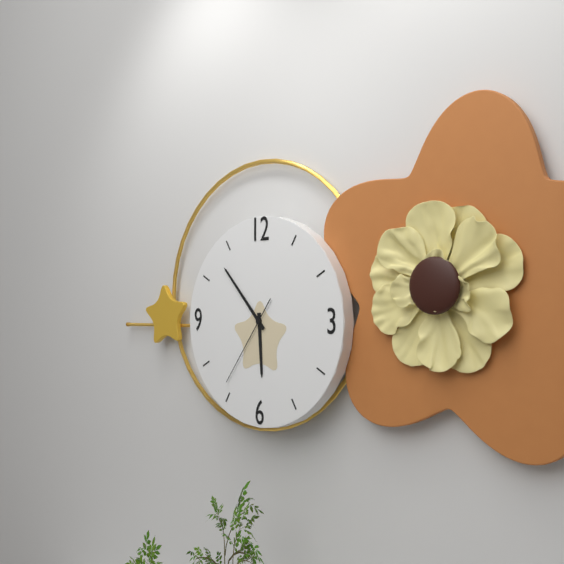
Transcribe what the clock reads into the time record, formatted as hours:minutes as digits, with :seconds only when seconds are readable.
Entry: 5:53:36
